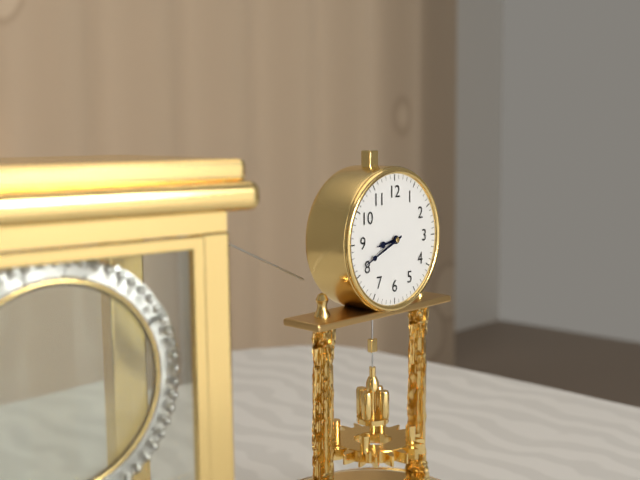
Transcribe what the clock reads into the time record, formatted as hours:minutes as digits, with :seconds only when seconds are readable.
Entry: 8:41
